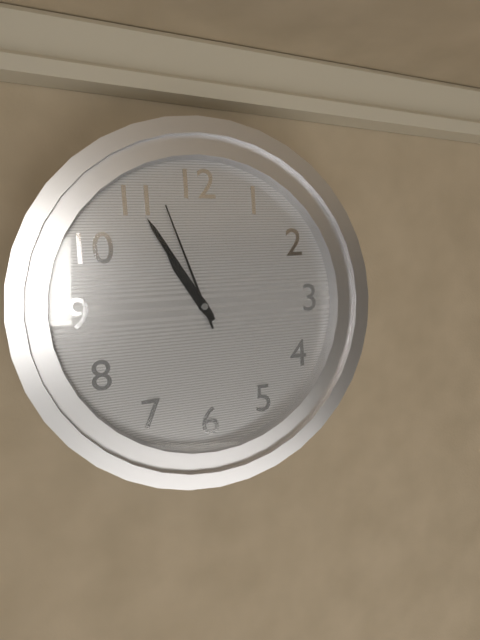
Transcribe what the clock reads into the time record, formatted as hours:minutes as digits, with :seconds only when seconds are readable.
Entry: 10:55:57
